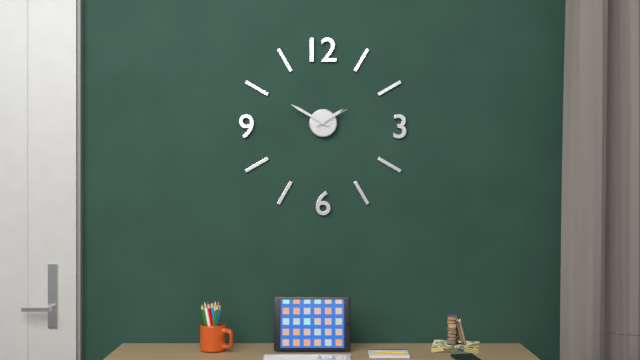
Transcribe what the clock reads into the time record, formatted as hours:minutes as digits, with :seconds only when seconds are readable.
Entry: 1:50
